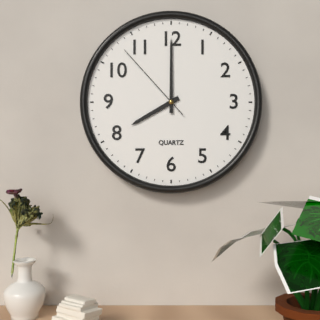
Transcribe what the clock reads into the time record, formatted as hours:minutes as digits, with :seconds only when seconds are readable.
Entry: 8:00:53
